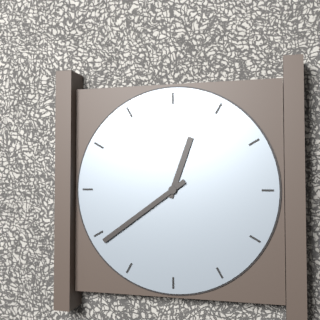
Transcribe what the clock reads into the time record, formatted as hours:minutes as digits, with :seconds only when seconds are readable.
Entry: 12:39
